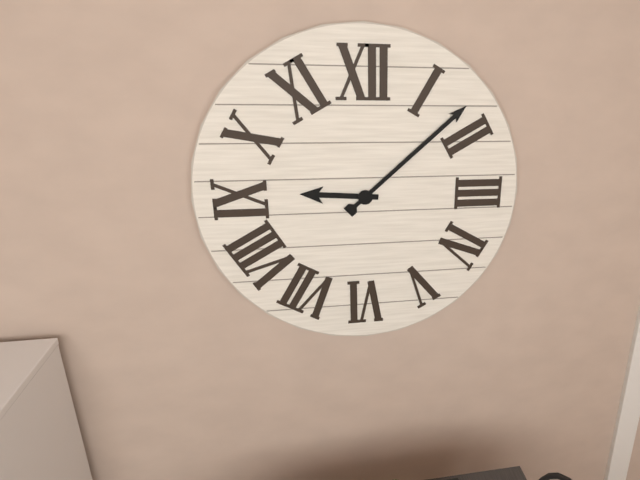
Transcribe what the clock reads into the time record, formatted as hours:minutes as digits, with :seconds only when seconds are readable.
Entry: 9:08
